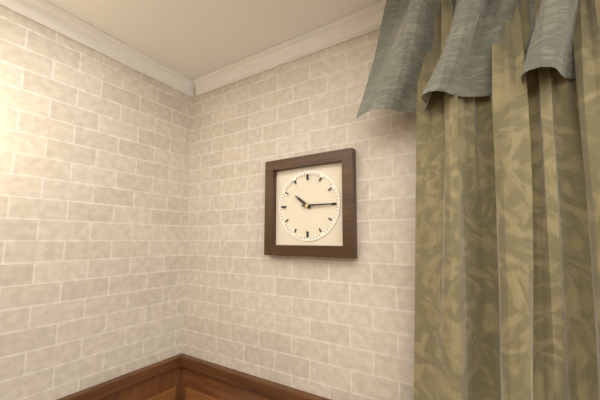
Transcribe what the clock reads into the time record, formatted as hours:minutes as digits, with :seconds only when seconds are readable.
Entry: 10:15
